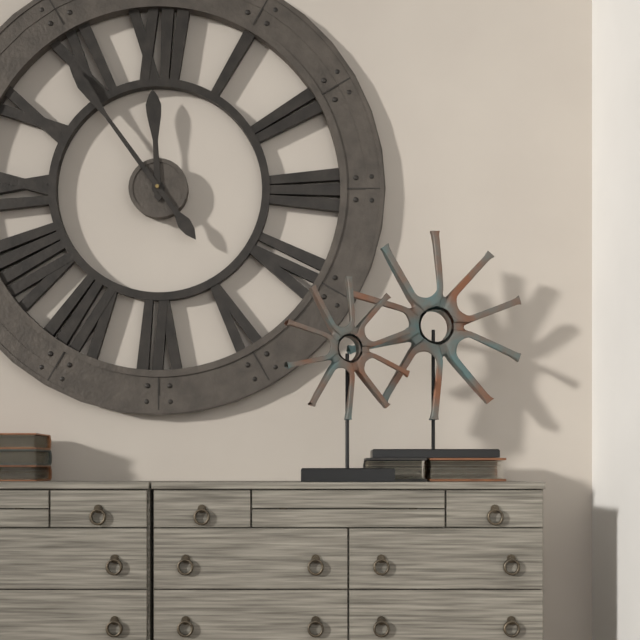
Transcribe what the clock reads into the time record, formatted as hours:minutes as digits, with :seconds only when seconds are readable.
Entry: 11:54
